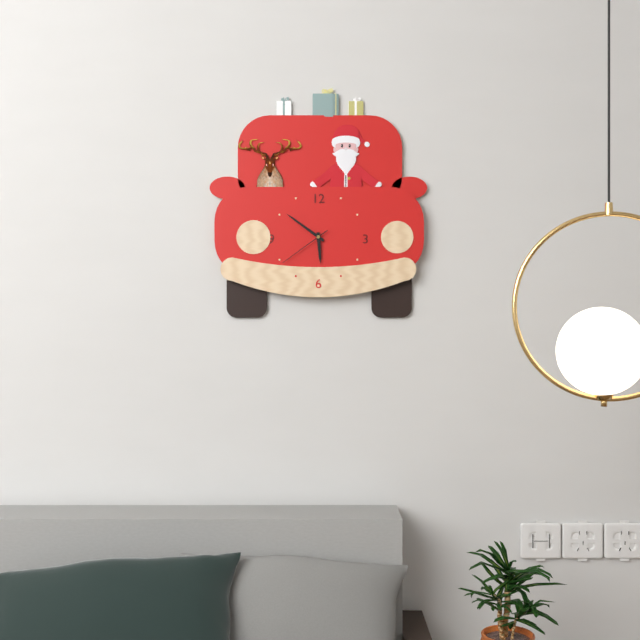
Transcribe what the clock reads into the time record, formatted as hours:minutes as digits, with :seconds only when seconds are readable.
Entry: 5:51:39
